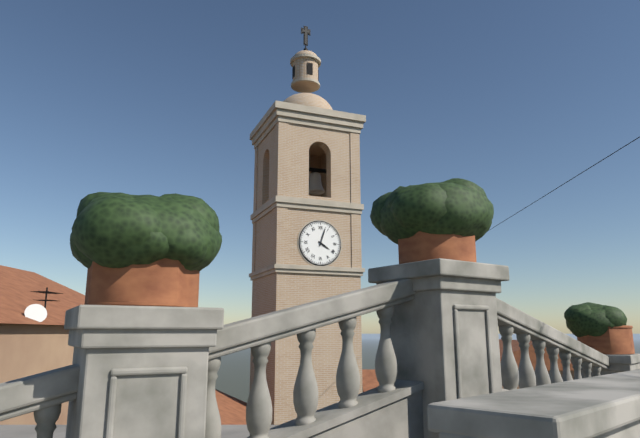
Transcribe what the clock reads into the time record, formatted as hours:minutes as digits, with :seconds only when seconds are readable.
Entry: 4:03
